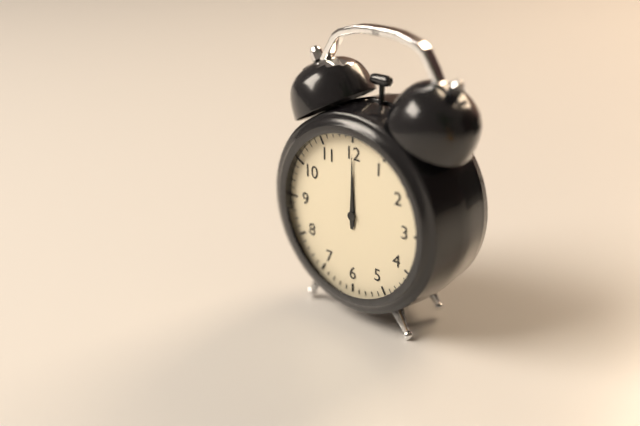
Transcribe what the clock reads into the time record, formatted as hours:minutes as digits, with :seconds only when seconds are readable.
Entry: 12:00
